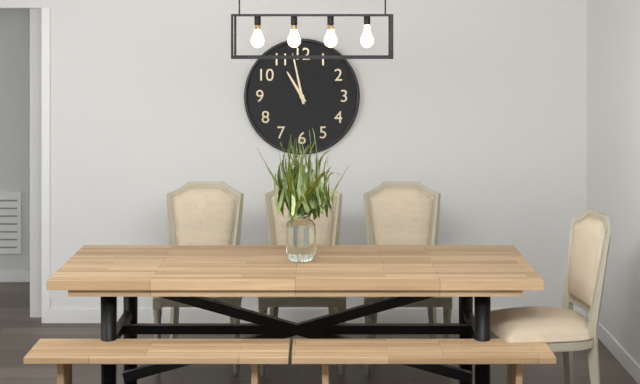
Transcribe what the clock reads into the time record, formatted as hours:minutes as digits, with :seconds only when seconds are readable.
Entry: 10:58
